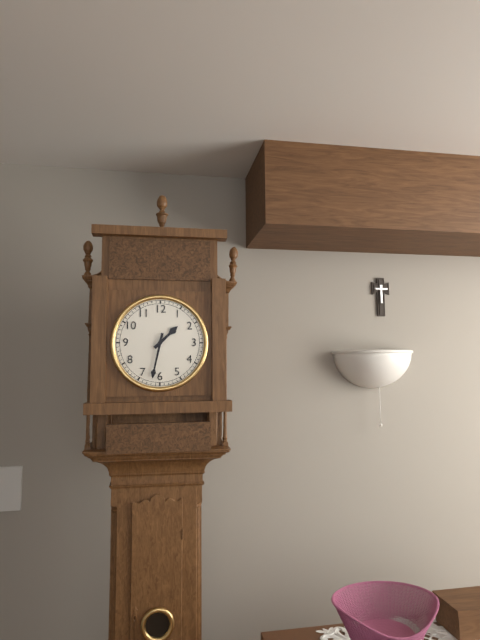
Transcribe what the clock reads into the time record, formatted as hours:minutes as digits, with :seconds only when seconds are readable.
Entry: 1:32
